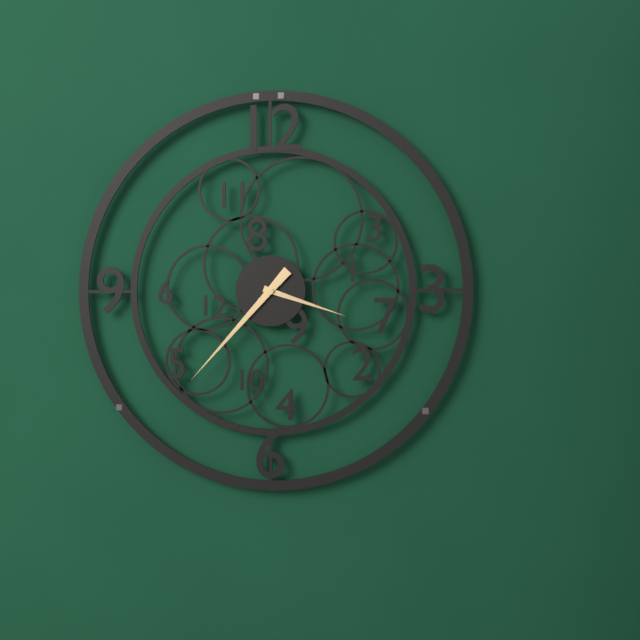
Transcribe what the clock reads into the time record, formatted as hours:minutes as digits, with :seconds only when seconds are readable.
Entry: 3:37
